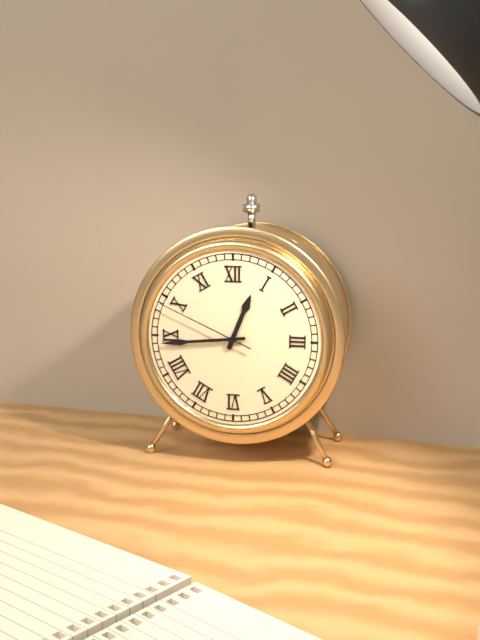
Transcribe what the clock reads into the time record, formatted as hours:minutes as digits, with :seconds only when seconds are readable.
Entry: 12:44:49
